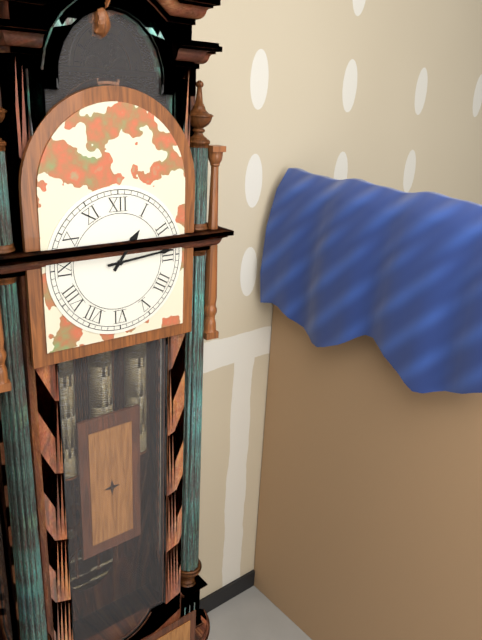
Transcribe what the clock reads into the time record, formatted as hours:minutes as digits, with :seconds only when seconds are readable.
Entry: 1:14
